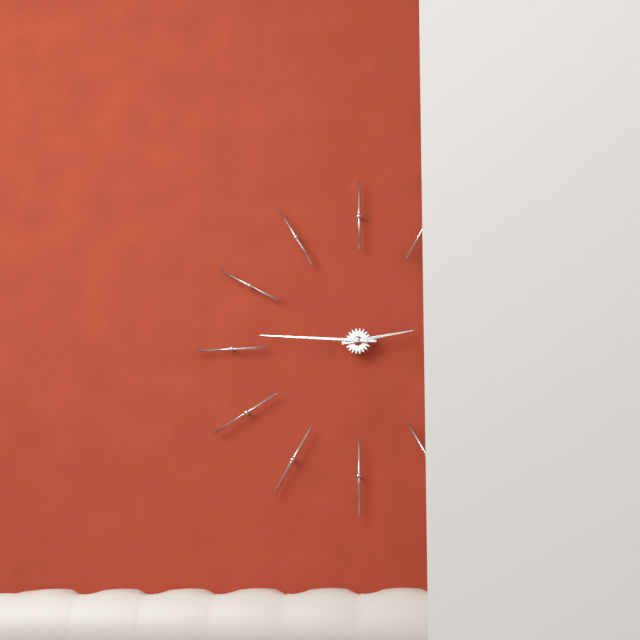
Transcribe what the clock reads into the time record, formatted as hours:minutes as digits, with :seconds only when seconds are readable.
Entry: 2:46
